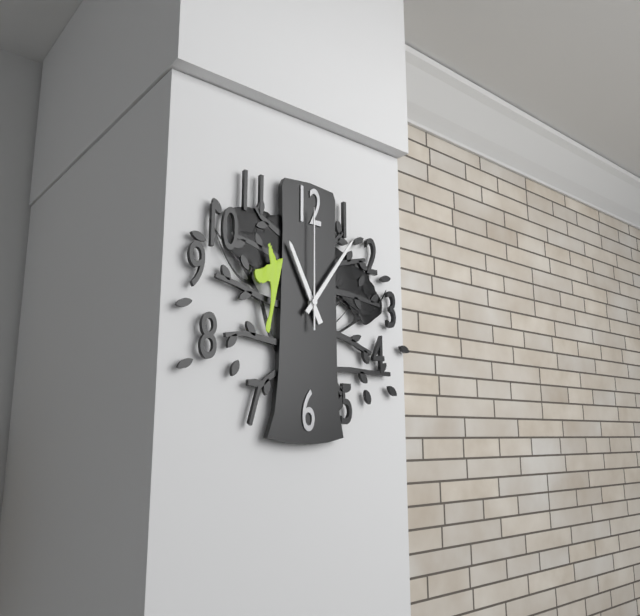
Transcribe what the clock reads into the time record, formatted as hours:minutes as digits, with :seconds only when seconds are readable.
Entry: 11:06:00
